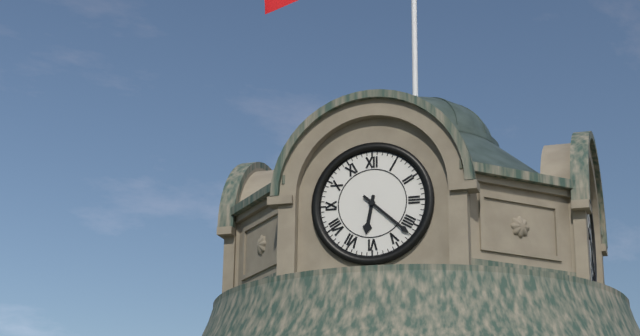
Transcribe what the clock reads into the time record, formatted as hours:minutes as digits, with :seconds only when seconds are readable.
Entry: 6:22
